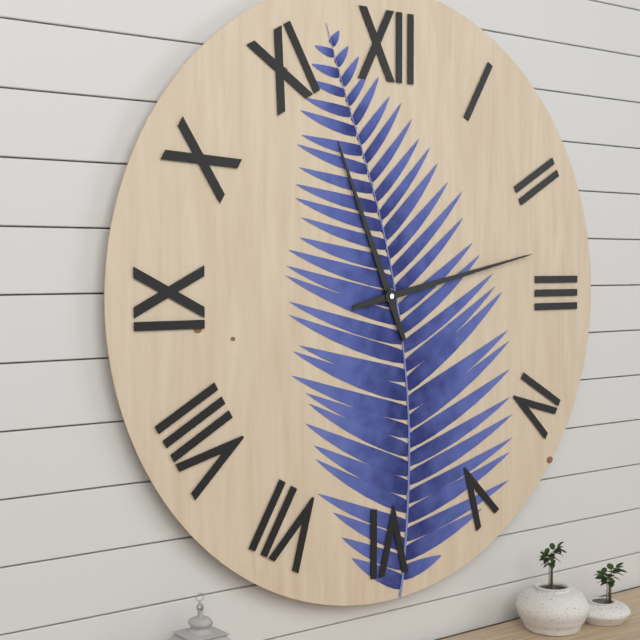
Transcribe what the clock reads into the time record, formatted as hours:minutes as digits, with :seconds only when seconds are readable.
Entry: 11:13
